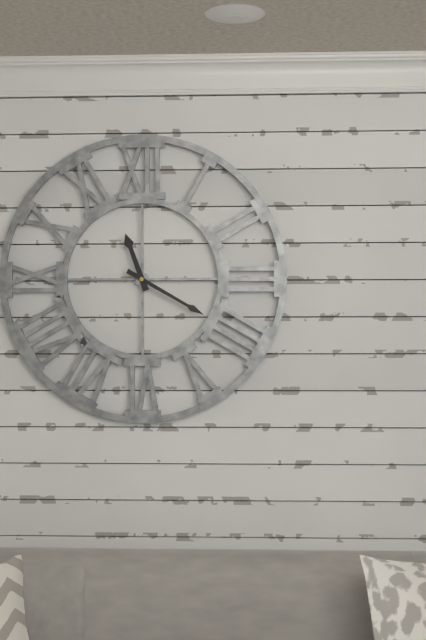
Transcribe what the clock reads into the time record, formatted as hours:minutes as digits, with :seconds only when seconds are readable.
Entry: 11:20
